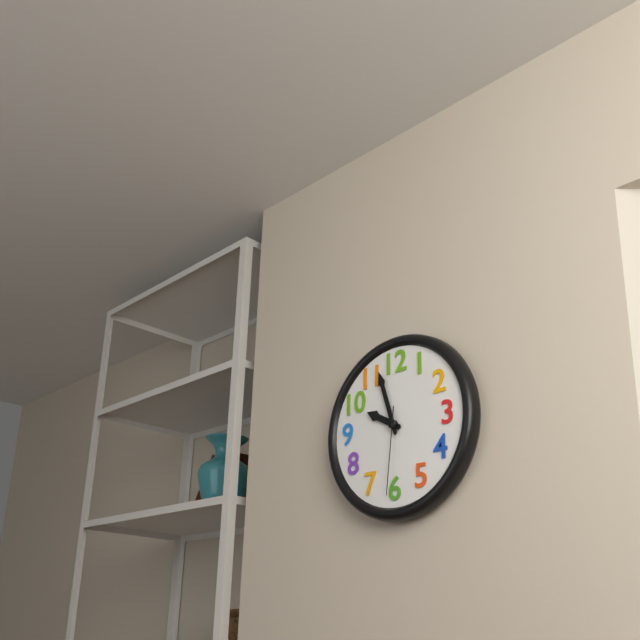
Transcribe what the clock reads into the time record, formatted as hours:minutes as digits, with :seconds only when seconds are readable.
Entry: 9:57:31
